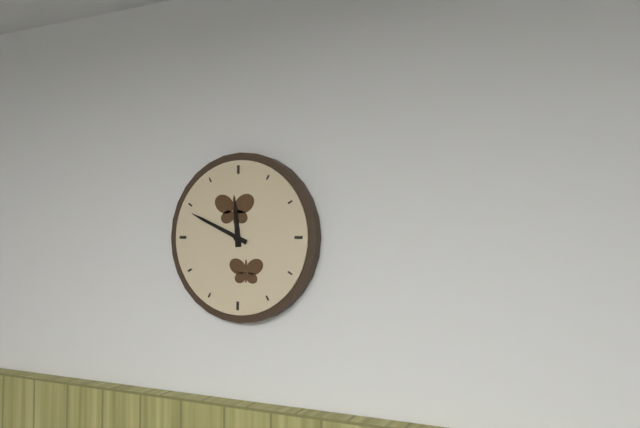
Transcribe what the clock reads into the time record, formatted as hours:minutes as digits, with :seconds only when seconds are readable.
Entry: 11:49
